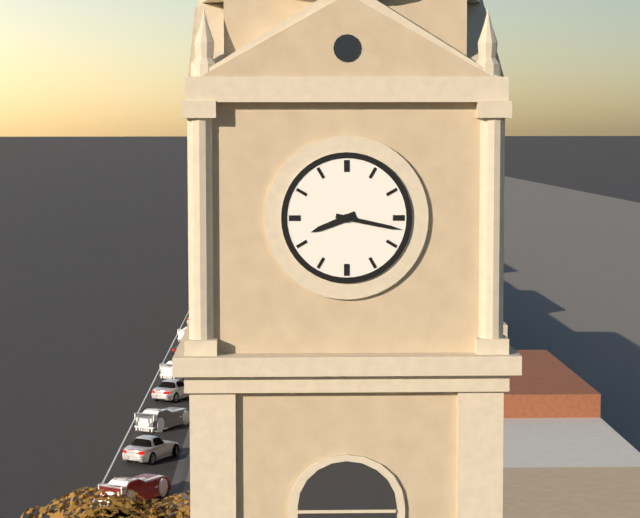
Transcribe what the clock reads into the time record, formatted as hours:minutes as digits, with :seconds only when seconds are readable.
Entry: 8:17
